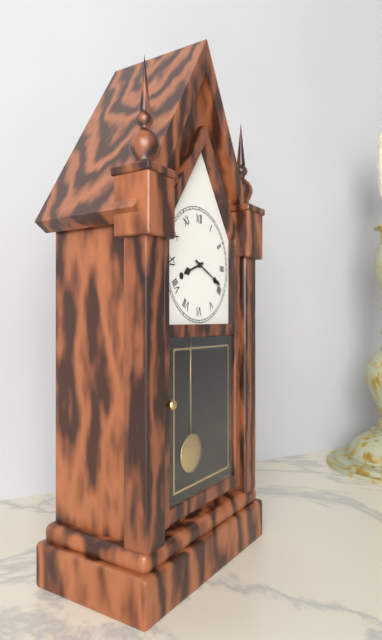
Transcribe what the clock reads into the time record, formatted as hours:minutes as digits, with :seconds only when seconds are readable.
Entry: 8:19
